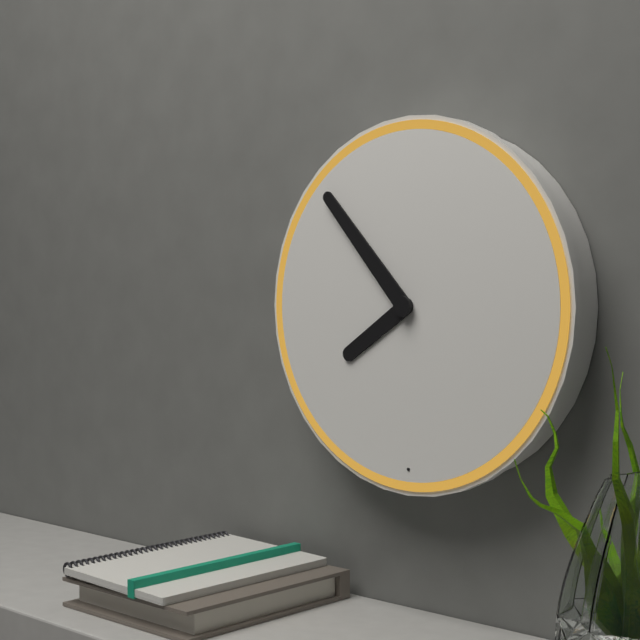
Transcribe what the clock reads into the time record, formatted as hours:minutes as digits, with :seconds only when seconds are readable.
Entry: 7:53
